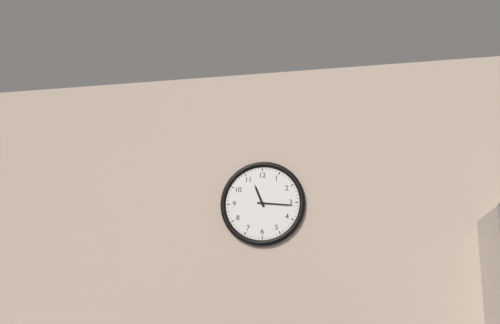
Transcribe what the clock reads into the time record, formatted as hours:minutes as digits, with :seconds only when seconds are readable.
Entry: 11:16
